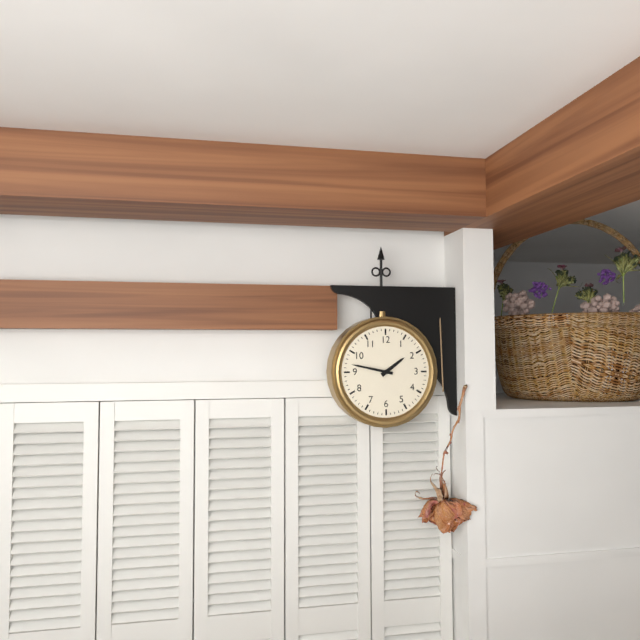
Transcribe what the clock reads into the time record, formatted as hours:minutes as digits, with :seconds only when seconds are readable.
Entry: 1:47
